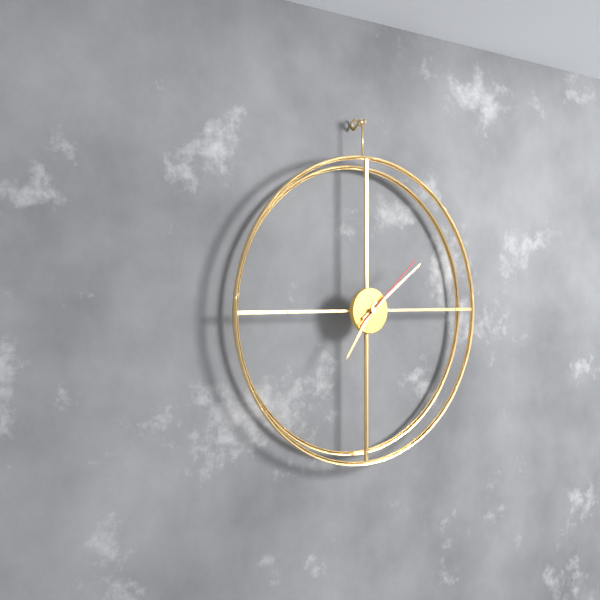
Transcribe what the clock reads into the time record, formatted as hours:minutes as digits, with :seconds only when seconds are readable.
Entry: 7:09:08
